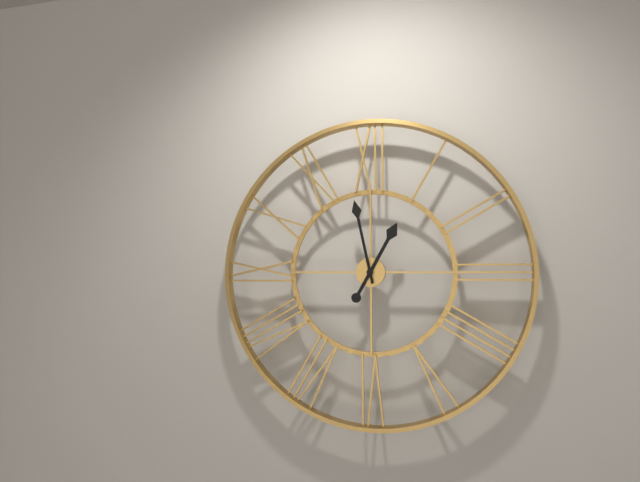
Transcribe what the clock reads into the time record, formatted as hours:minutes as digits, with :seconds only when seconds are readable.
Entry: 12:58
